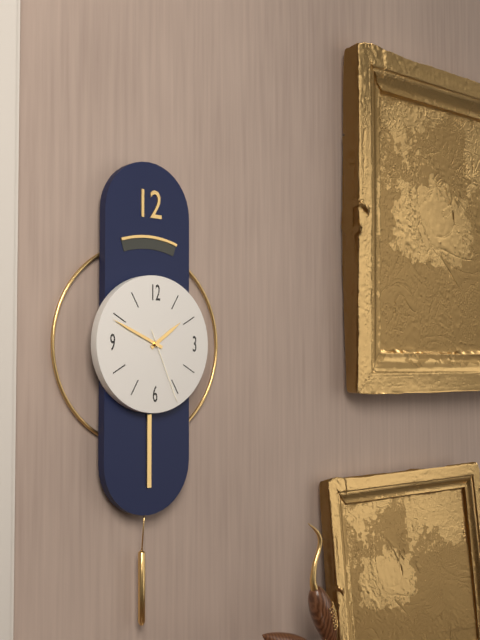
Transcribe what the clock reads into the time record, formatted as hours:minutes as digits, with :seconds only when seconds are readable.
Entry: 1:49:26
